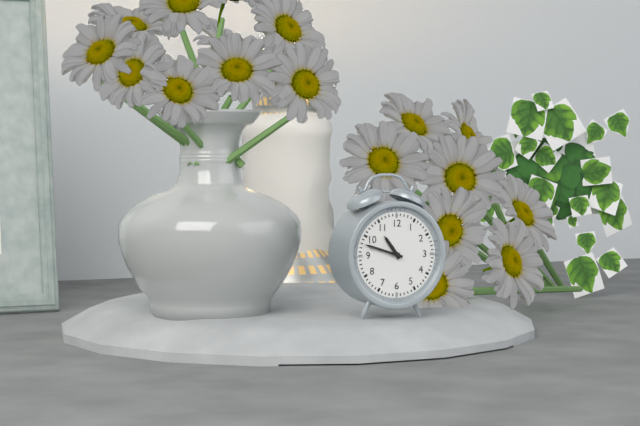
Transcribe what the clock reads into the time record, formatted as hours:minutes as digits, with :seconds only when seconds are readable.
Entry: 10:48
